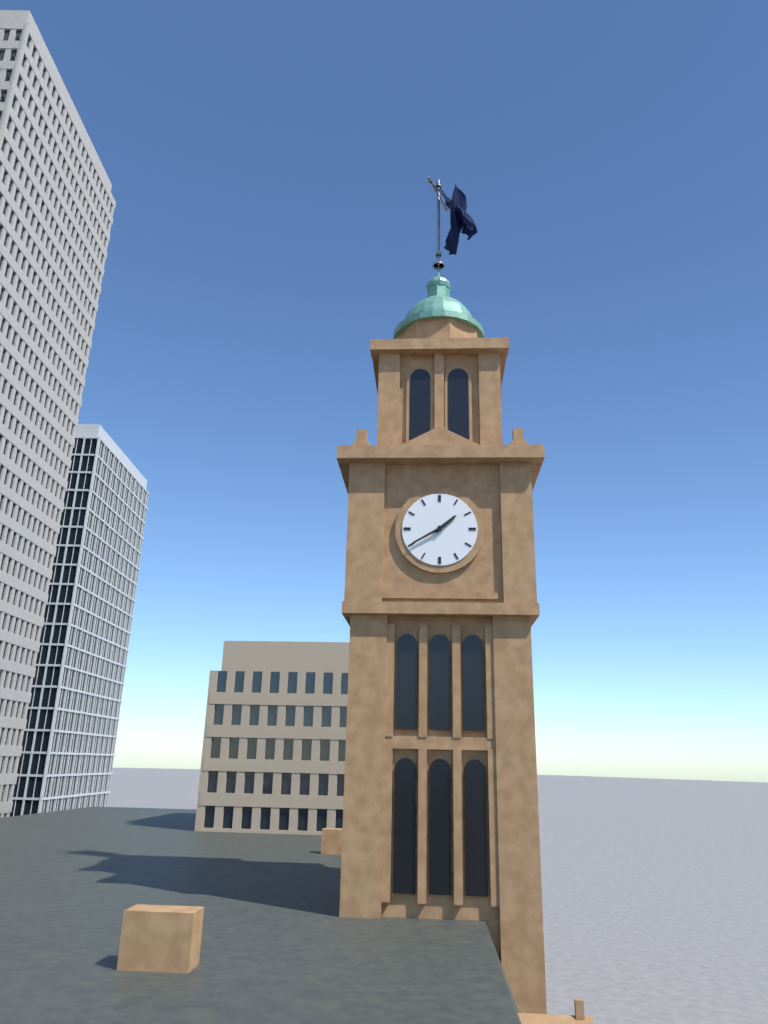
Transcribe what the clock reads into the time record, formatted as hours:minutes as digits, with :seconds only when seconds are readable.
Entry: 1:40
